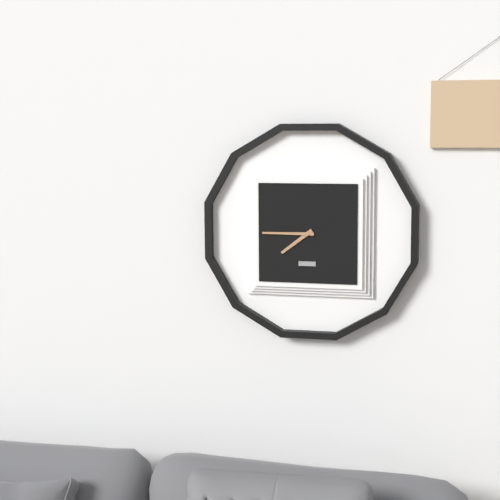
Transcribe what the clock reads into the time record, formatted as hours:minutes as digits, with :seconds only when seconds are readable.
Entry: 7:45
